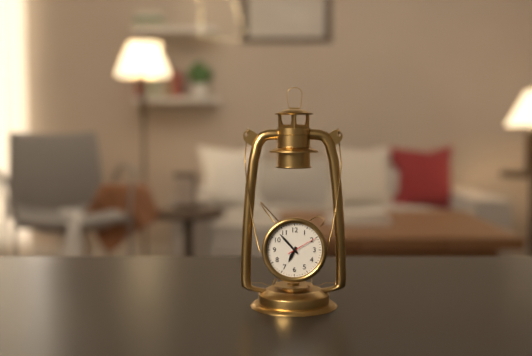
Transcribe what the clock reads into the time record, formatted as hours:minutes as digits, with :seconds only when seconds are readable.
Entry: 6:53
